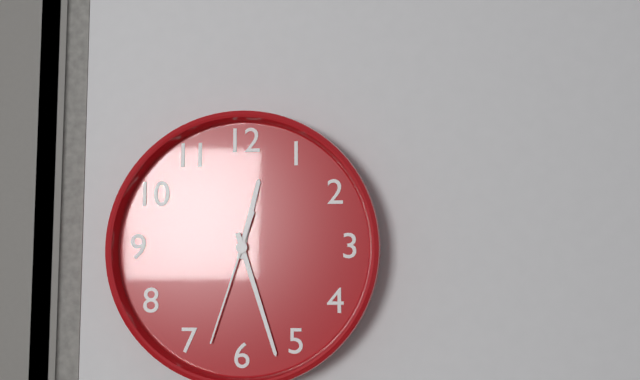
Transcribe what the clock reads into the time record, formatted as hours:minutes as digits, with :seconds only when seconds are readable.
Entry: 12:27:33
